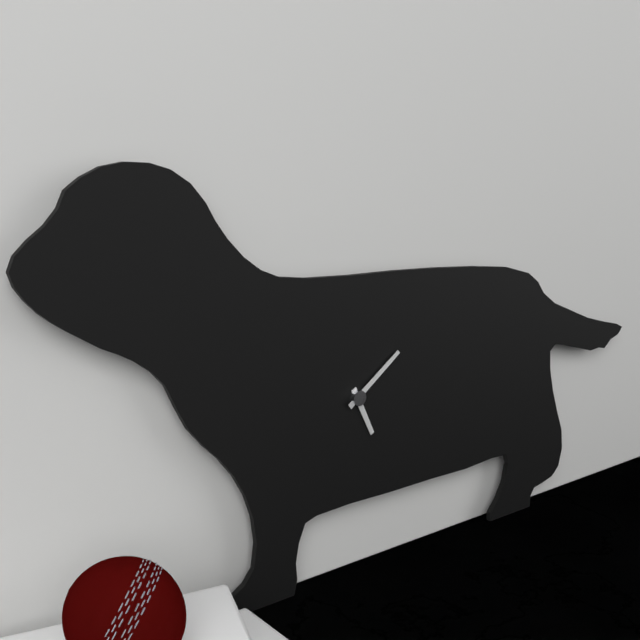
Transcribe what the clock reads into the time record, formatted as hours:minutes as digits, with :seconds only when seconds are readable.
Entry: 5:09
